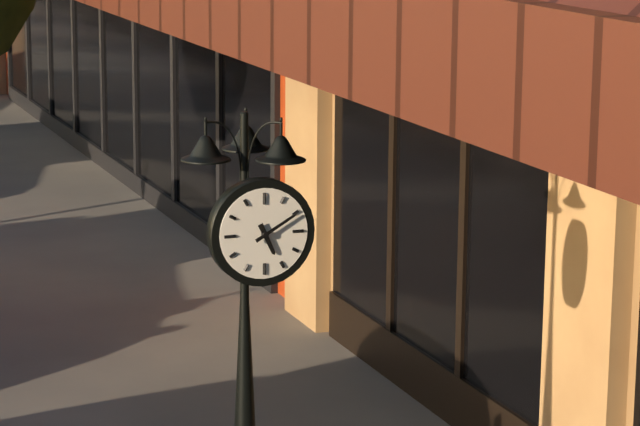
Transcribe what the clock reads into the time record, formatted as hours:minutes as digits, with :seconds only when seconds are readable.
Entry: 5:10
